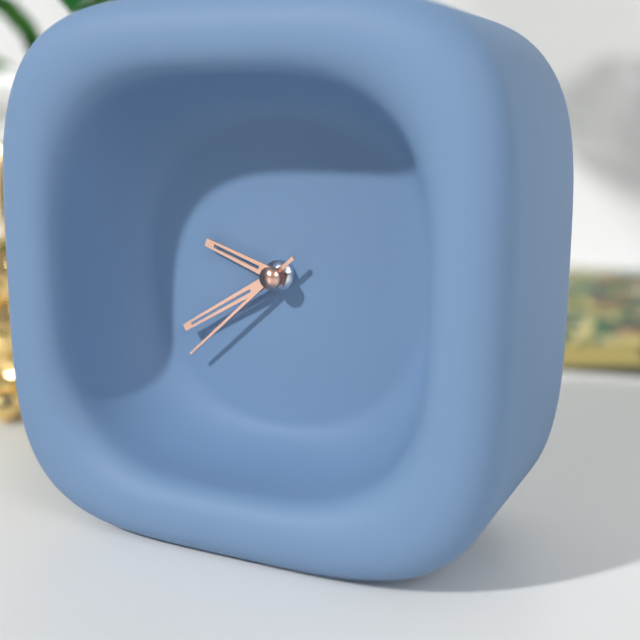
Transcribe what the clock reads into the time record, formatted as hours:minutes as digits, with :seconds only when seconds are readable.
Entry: 9:40:38
